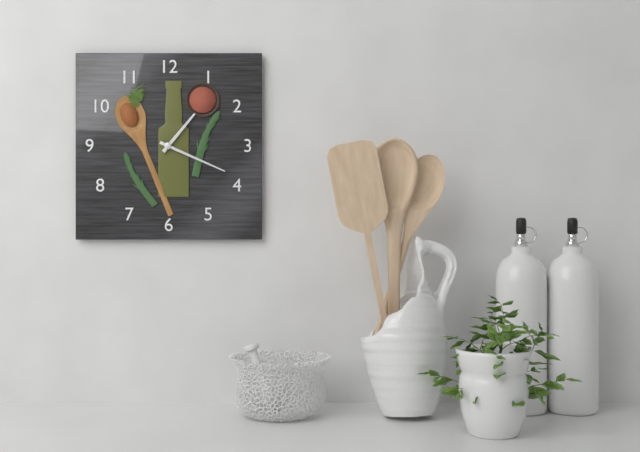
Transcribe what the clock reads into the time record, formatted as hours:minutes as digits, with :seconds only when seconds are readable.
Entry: 1:19
